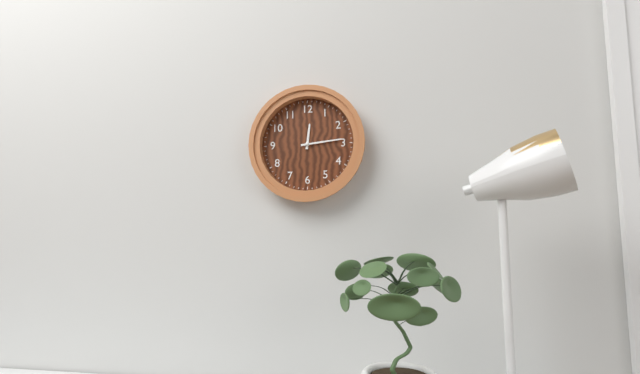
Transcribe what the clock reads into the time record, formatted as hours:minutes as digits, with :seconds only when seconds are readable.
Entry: 12:14
